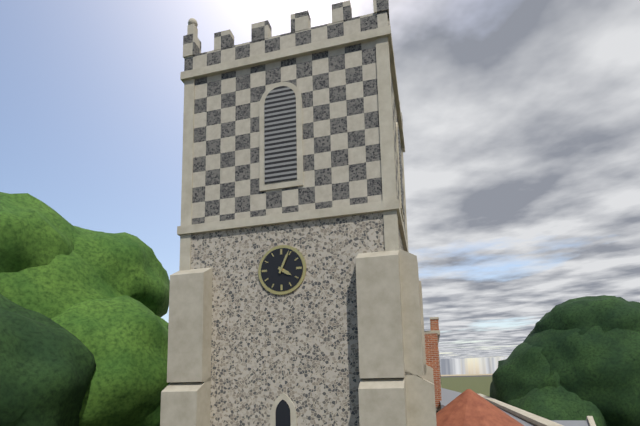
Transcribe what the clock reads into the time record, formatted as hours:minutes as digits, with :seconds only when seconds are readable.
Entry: 4:04
